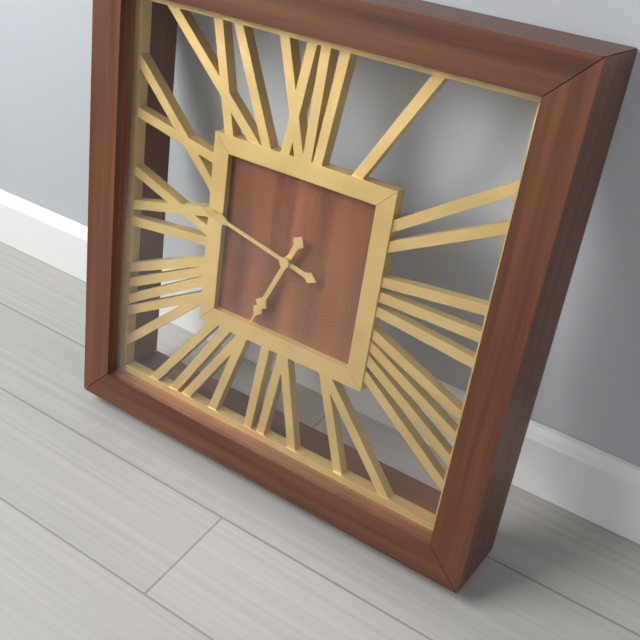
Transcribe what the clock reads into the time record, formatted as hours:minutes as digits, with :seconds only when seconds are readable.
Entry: 6:47
